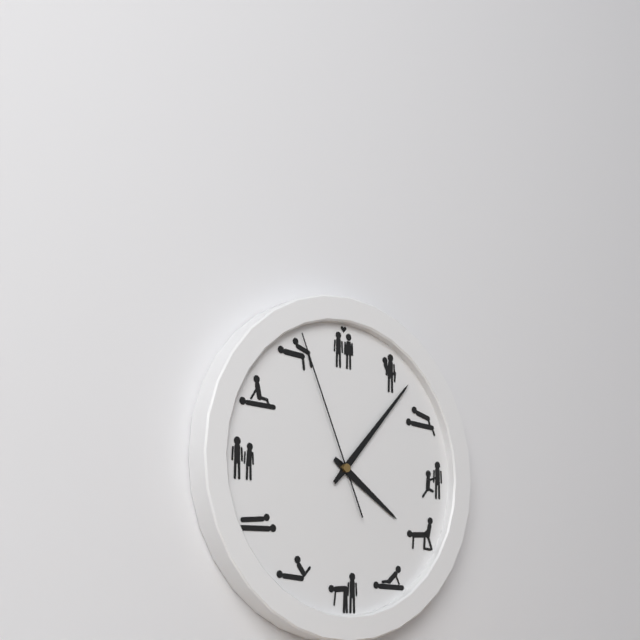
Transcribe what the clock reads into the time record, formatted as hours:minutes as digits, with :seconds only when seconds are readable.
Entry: 4:07:56
